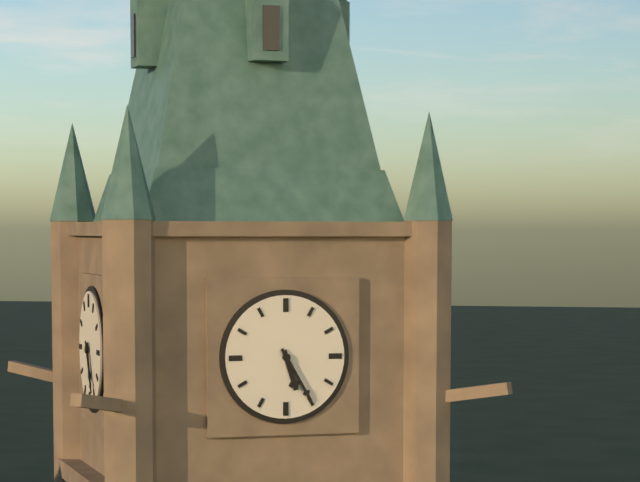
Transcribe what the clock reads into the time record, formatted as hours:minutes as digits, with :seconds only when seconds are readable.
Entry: 5:25
